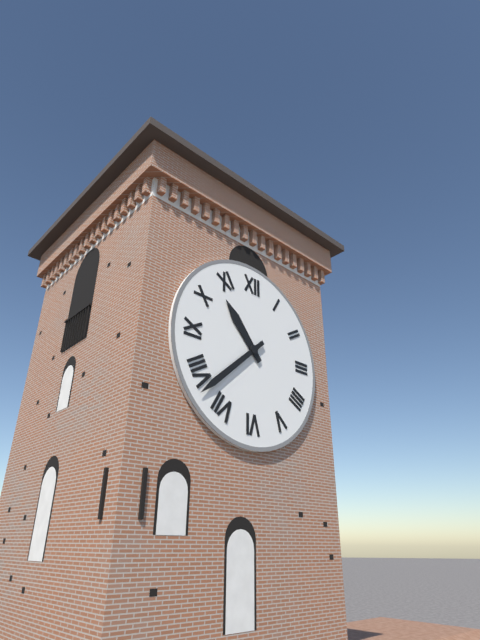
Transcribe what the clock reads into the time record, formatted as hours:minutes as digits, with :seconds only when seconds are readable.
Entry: 10:38
